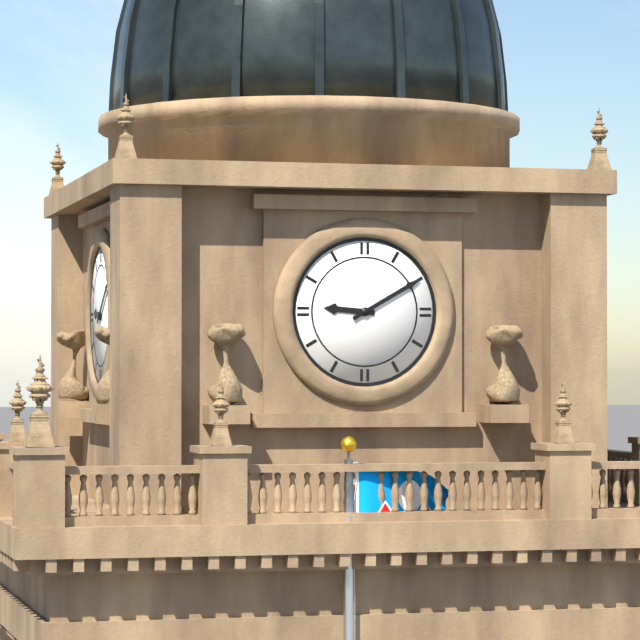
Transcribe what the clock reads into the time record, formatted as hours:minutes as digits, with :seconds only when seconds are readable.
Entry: 9:10
